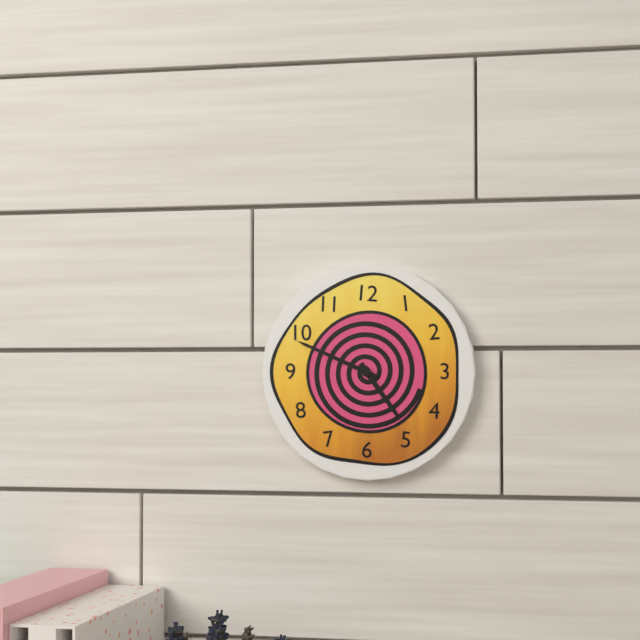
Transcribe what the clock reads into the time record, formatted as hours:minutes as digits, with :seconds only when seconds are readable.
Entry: 4:49
